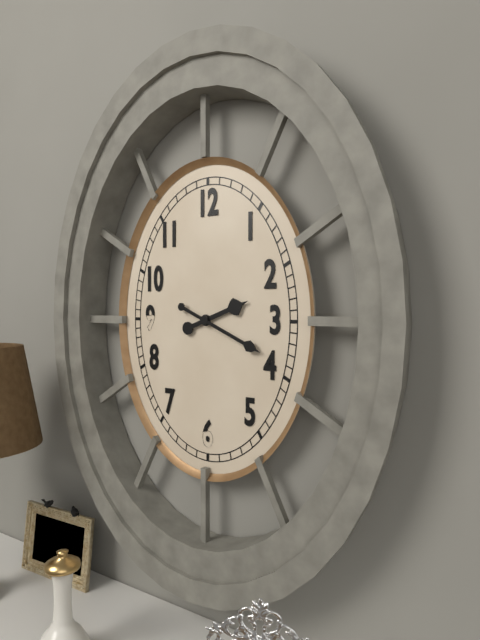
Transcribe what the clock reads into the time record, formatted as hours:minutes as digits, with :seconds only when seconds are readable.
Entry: 2:19
